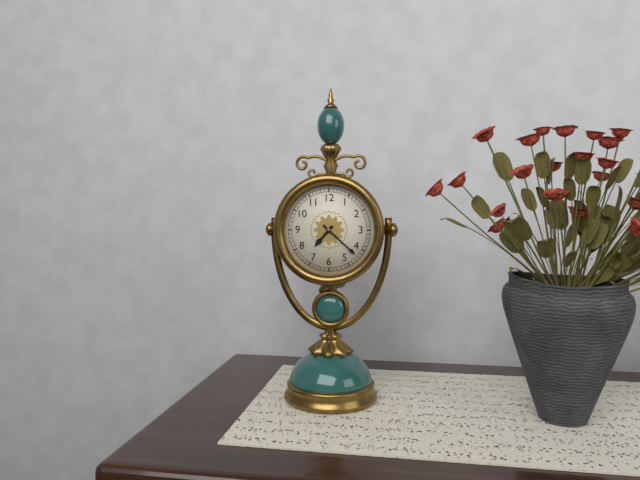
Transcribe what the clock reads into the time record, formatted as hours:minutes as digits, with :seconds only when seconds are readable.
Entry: 7:22
